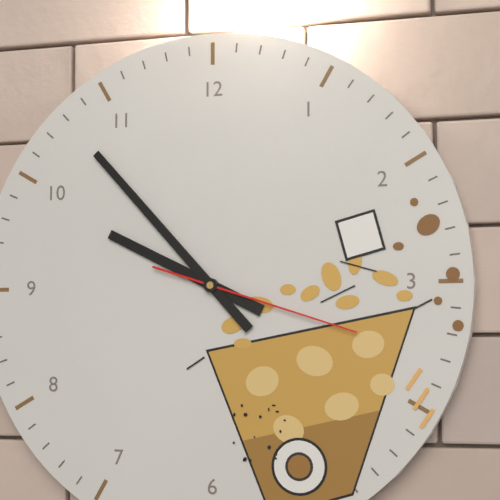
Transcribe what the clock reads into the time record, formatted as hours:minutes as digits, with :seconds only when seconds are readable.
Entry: 9:53:18
